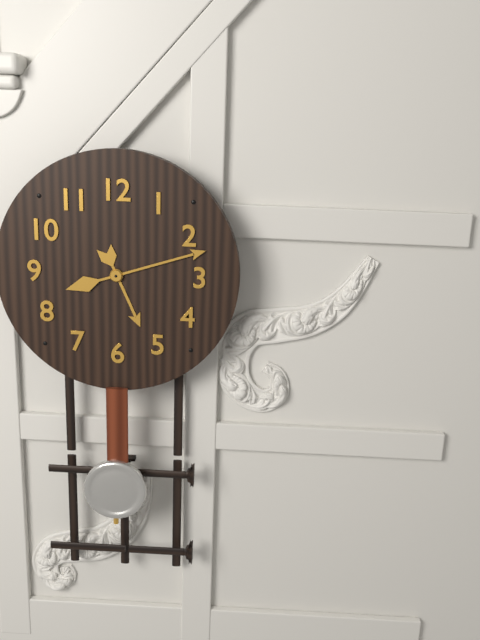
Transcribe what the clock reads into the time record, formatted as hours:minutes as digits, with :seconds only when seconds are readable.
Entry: 5:12
